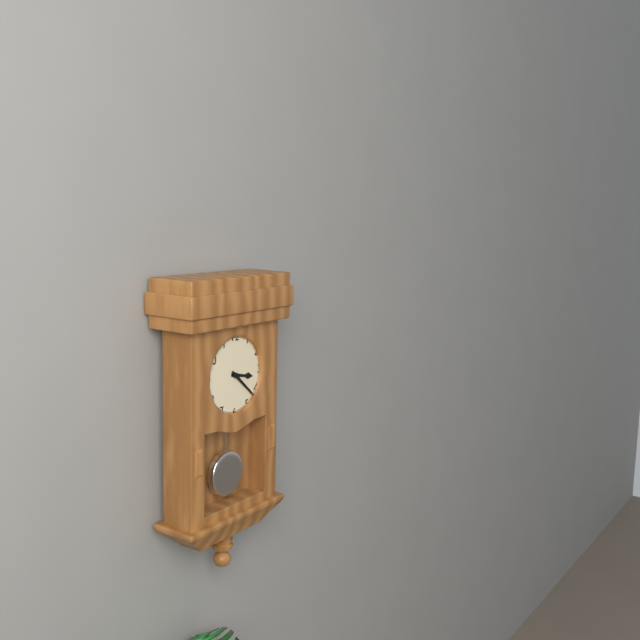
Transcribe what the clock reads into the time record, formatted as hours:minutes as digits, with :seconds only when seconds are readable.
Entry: 3:22
